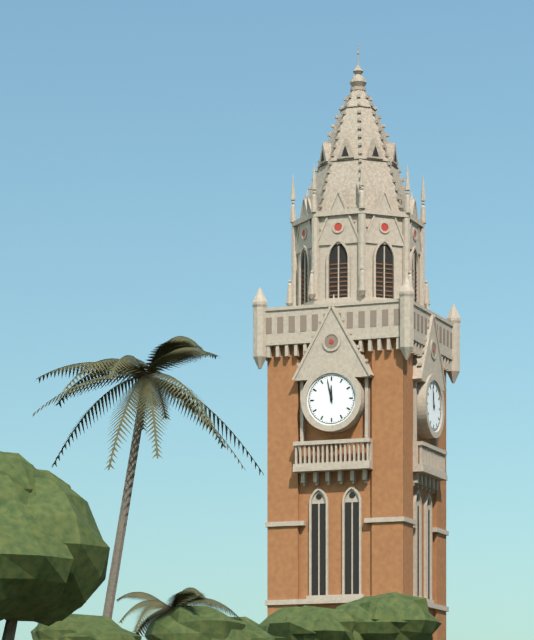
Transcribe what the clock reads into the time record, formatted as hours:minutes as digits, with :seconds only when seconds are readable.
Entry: 11:58
